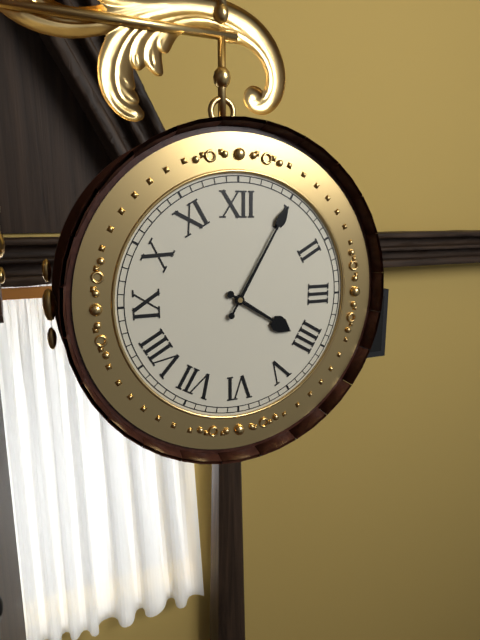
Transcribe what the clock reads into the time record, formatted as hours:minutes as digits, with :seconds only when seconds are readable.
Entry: 4:05
